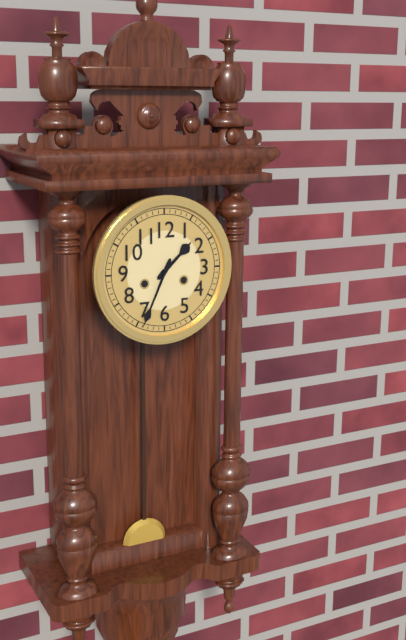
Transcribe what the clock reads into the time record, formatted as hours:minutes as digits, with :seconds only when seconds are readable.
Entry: 1:34
